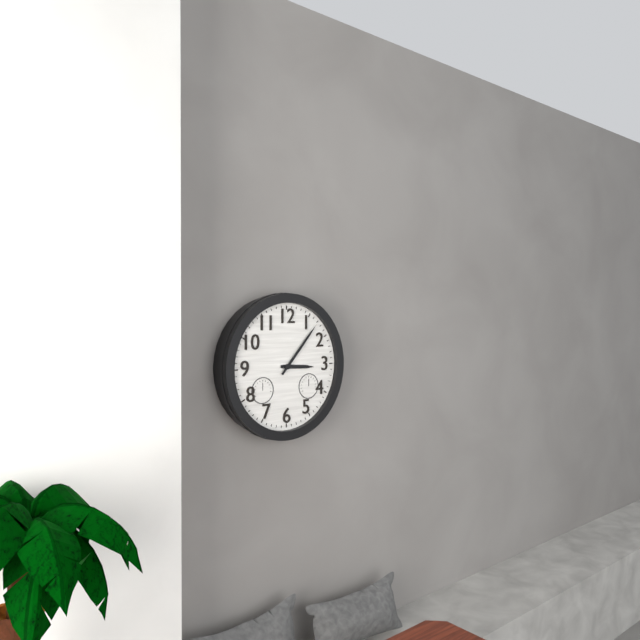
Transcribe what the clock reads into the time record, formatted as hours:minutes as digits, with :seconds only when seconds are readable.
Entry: 3:07
